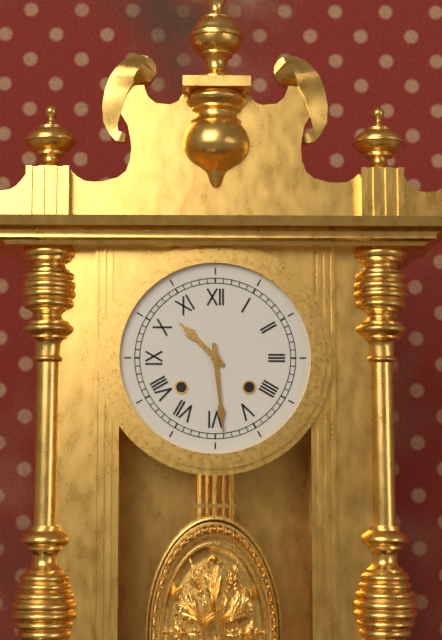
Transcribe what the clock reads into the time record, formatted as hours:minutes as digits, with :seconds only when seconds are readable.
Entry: 10:29
